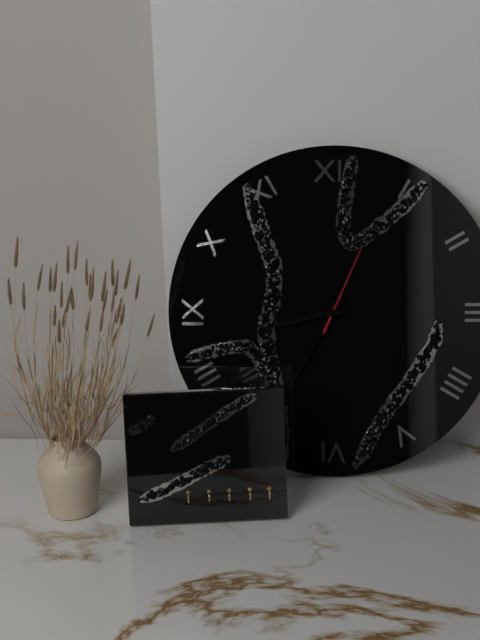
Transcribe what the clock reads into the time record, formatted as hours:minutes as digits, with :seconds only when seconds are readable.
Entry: 8:35:04
